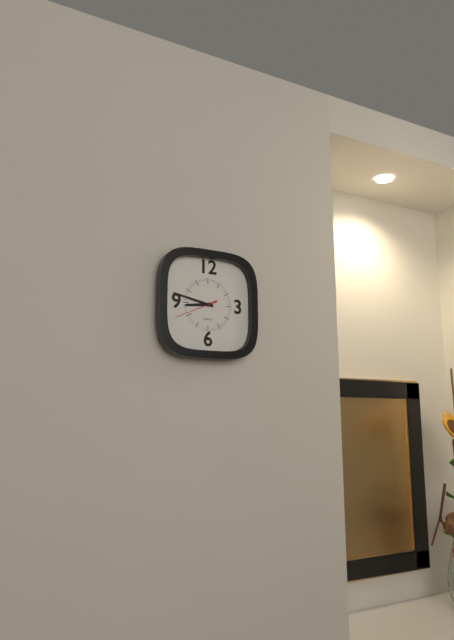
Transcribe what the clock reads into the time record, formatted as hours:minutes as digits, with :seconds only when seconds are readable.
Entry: 8:47
